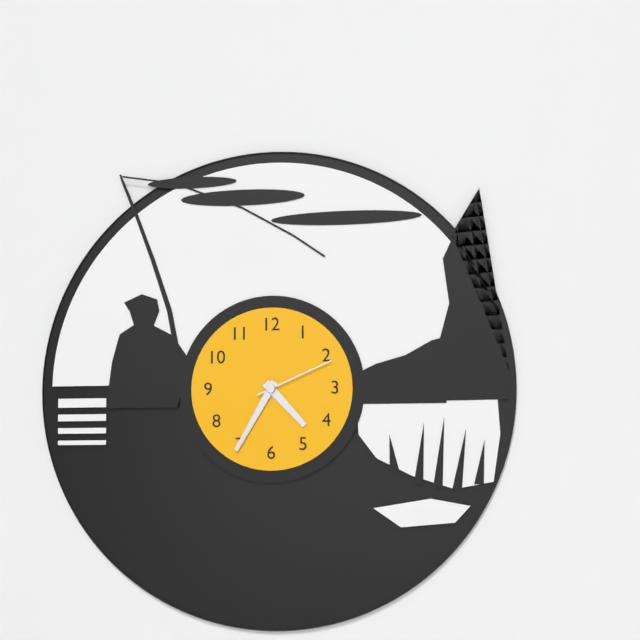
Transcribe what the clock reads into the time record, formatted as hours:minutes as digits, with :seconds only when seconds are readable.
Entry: 4:35:11
